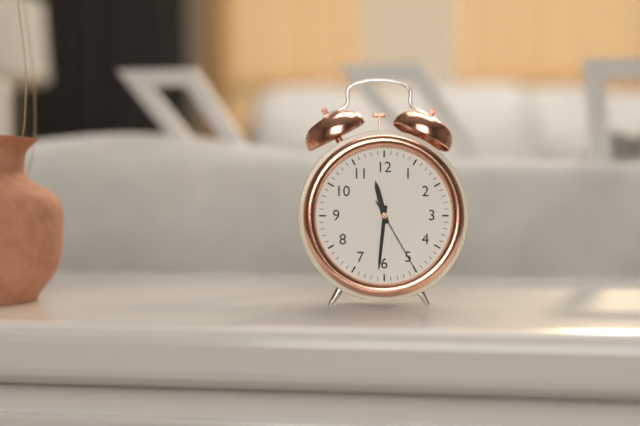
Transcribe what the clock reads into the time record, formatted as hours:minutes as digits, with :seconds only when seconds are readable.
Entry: 11:31:25
